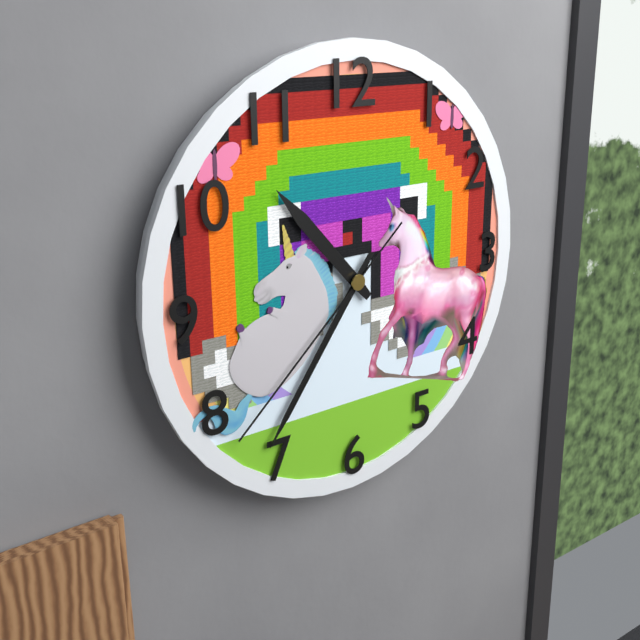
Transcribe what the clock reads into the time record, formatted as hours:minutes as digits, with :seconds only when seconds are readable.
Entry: 10:36:38
